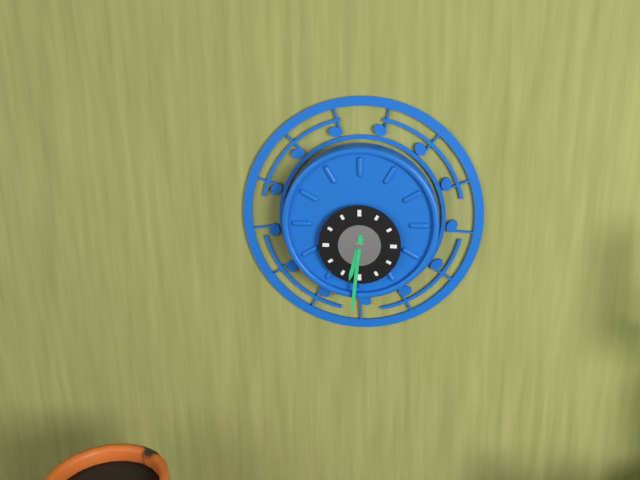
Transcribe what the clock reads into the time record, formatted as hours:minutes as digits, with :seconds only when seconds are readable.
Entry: 6:31
